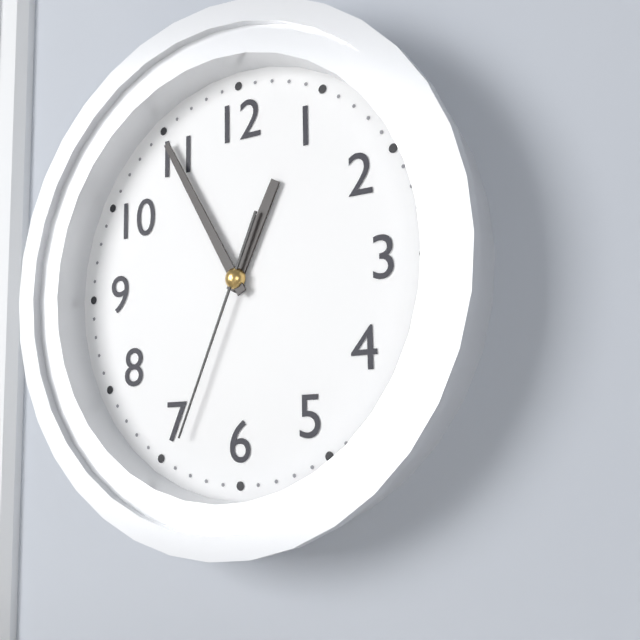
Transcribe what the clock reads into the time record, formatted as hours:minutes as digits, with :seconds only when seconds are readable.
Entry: 12:55:34
